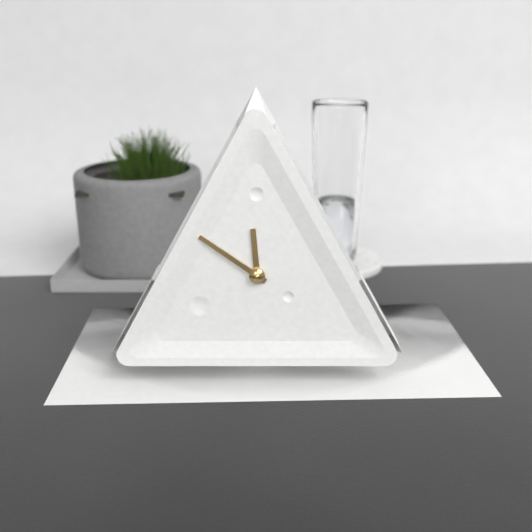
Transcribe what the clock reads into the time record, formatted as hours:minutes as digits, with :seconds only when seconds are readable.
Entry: 11:51
